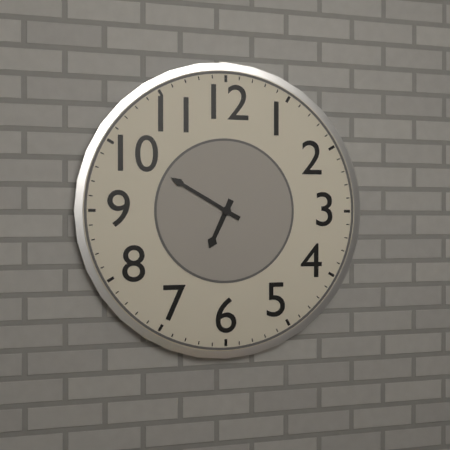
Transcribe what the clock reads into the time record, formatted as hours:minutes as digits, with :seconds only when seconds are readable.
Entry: 6:50
